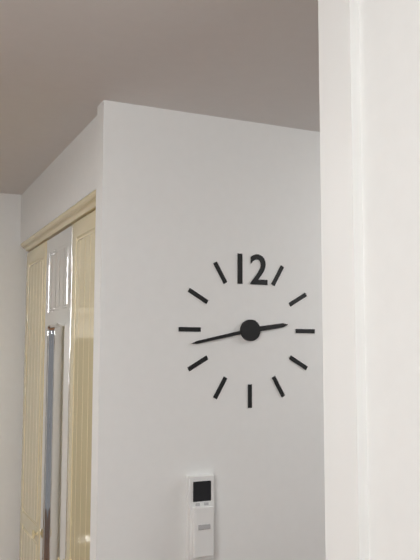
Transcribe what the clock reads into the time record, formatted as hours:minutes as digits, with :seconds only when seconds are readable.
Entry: 2:43
